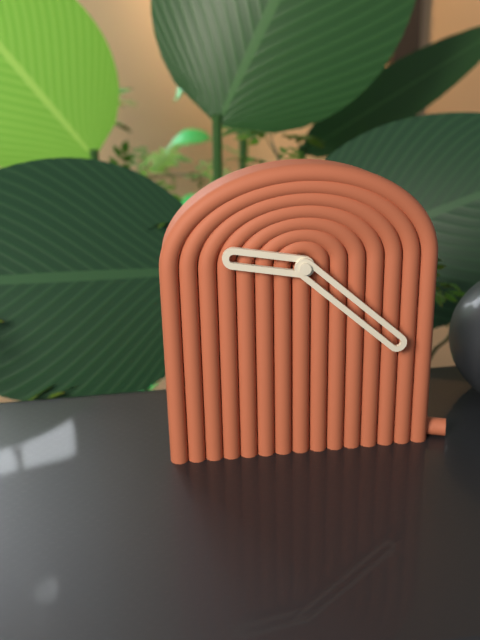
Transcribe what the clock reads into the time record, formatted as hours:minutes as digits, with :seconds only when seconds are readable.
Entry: 9:22
